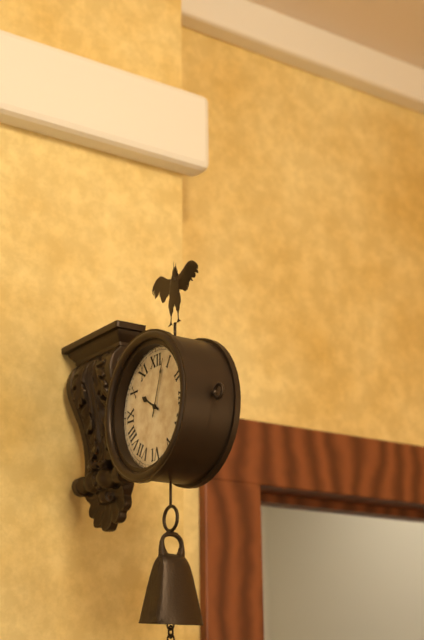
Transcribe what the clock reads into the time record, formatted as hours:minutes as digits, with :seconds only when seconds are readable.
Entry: 10:03
